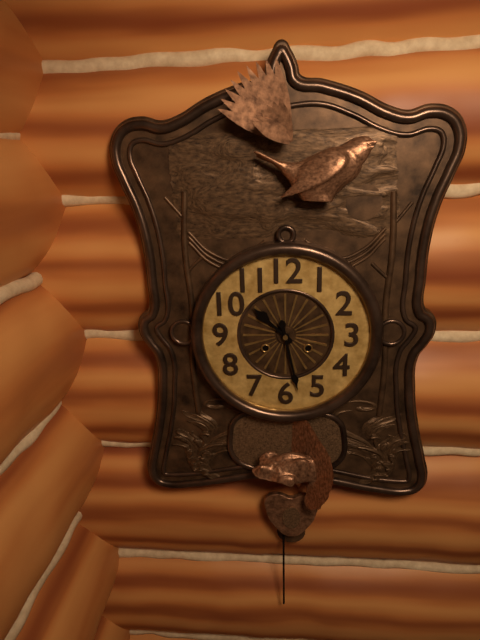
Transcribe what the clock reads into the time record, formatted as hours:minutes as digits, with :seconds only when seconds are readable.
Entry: 10:28
